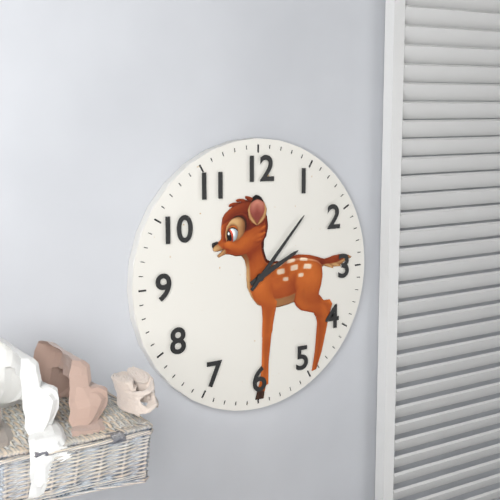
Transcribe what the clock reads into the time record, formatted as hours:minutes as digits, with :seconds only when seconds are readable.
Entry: 2:07
